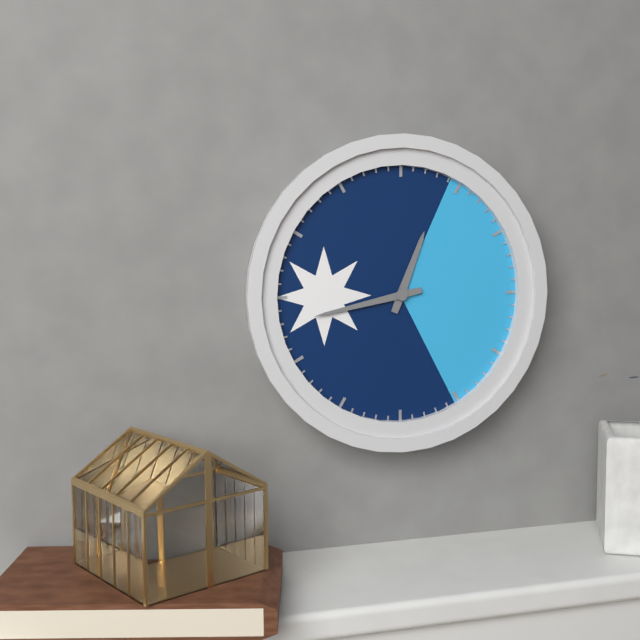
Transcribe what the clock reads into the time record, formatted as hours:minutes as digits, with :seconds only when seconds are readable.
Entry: 12:43
